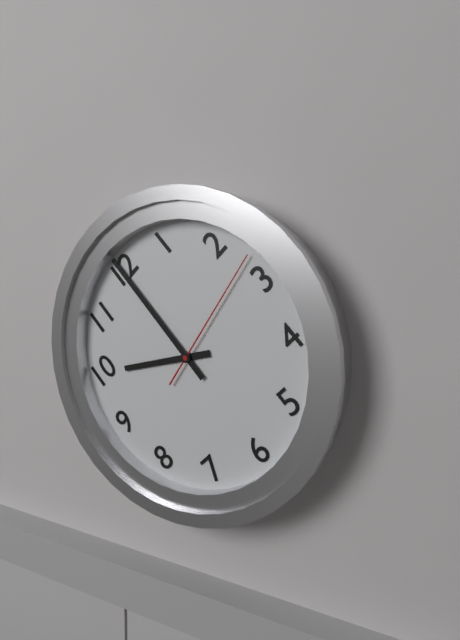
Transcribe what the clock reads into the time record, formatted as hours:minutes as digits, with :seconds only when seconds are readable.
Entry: 10:00:13
